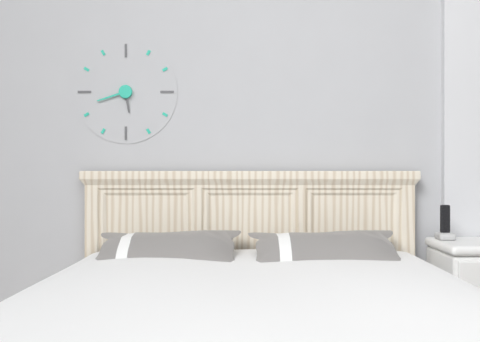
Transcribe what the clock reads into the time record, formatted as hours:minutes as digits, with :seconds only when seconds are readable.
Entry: 5:42
